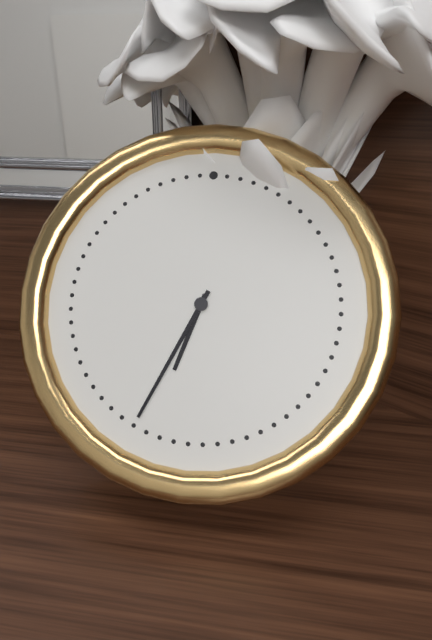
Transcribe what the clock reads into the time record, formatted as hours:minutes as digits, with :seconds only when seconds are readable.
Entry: 6:34
